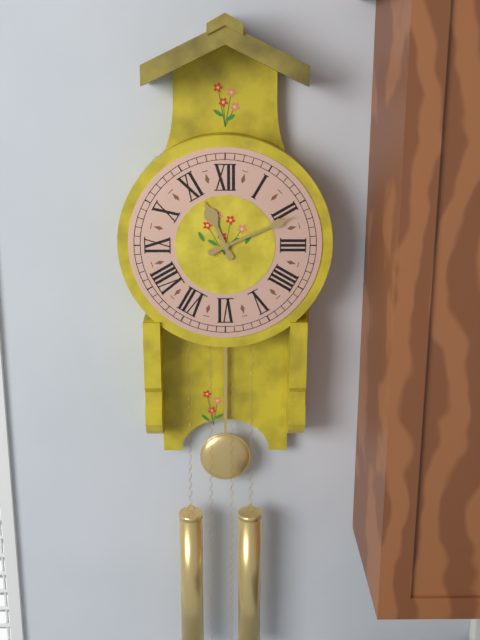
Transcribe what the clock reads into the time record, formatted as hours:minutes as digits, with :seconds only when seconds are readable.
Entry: 11:11
